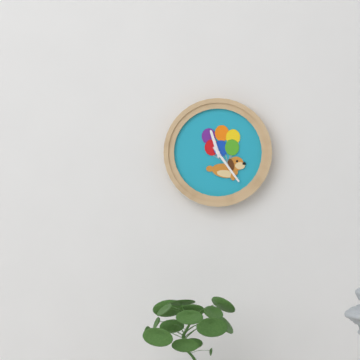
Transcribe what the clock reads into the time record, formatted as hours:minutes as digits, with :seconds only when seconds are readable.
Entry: 11:24
